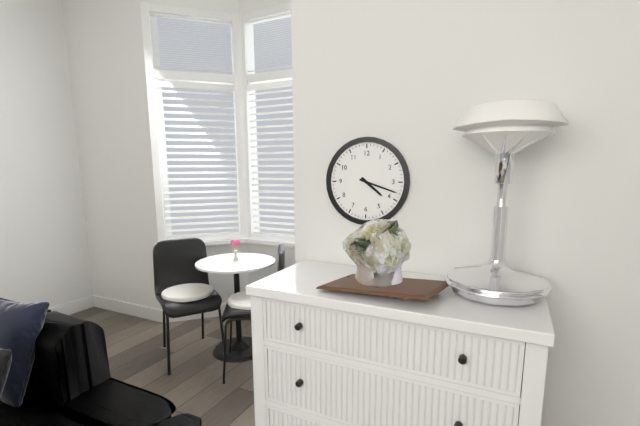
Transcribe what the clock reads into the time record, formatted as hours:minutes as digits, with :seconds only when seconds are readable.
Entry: 4:18
